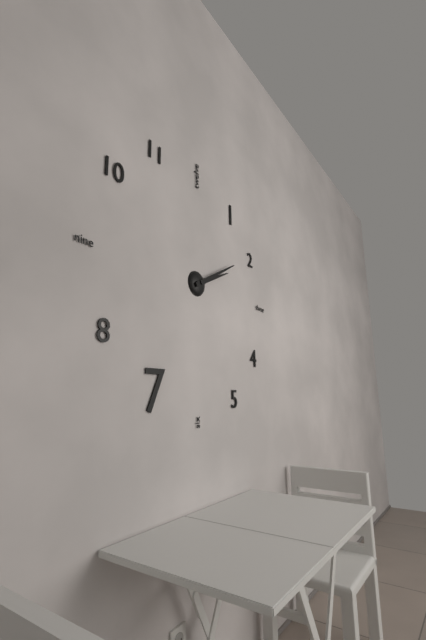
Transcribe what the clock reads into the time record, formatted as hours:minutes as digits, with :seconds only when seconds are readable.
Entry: 2:10
